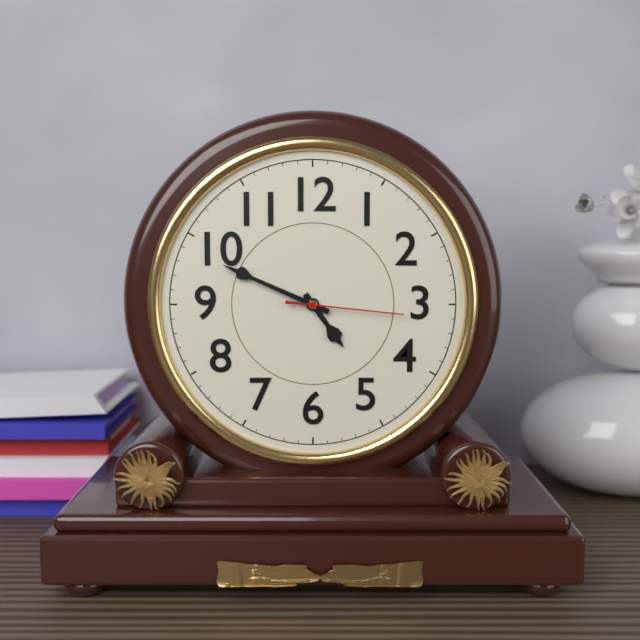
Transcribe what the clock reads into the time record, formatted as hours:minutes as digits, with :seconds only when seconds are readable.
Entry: 4:49:16
